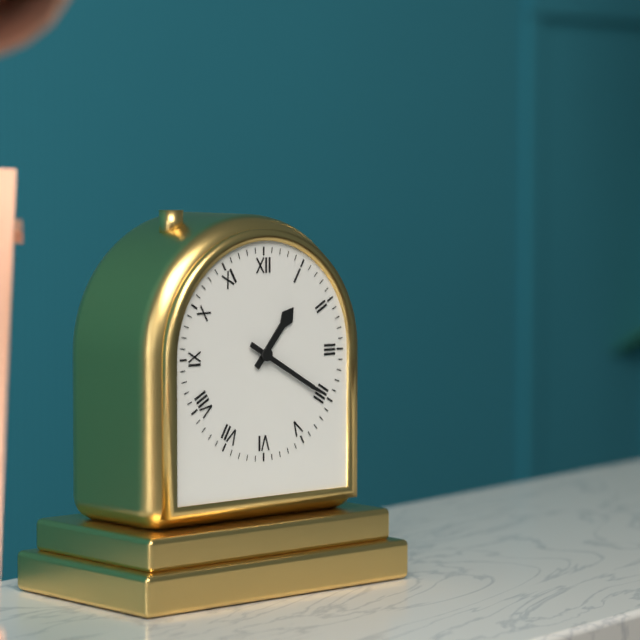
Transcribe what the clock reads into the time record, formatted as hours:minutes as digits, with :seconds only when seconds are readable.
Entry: 1:20
